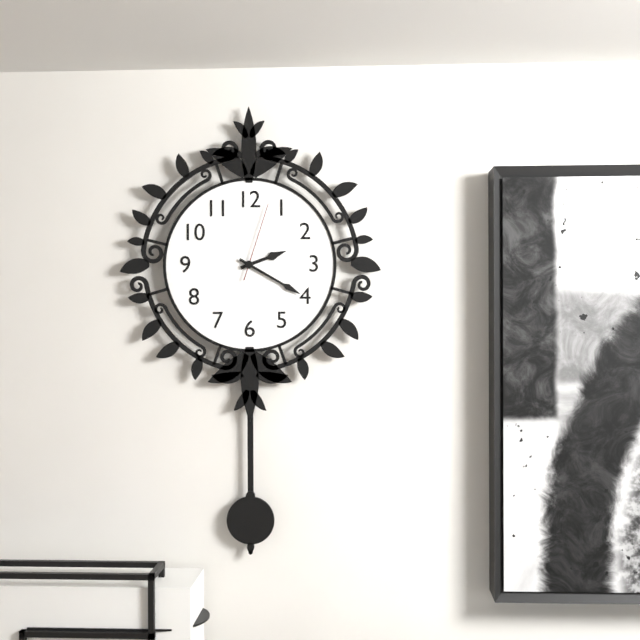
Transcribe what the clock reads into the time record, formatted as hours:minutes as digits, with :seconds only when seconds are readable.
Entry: 2:20:03
